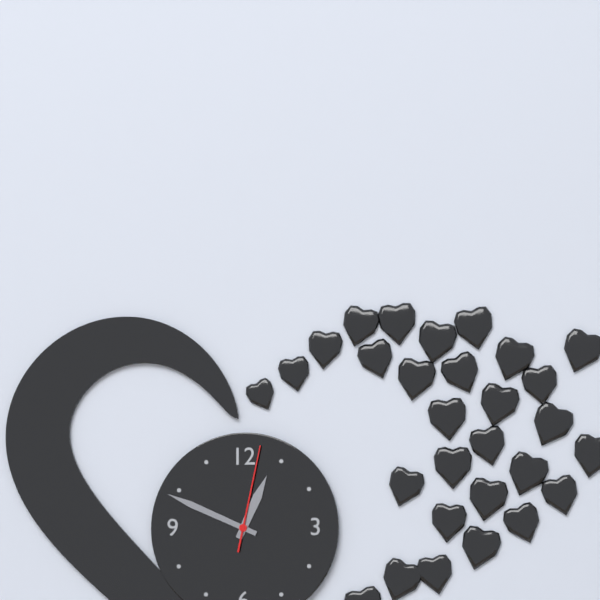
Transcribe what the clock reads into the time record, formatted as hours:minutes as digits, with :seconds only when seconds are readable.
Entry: 12:49:02
